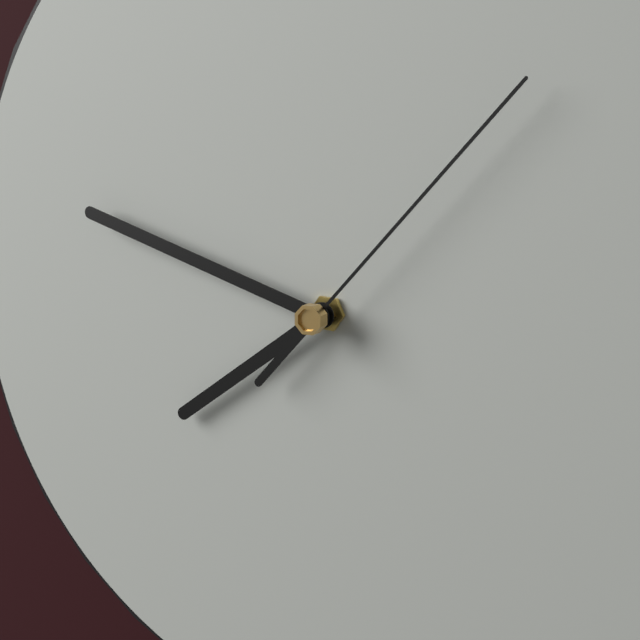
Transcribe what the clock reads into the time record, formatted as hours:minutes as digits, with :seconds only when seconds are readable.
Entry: 7:48:07
